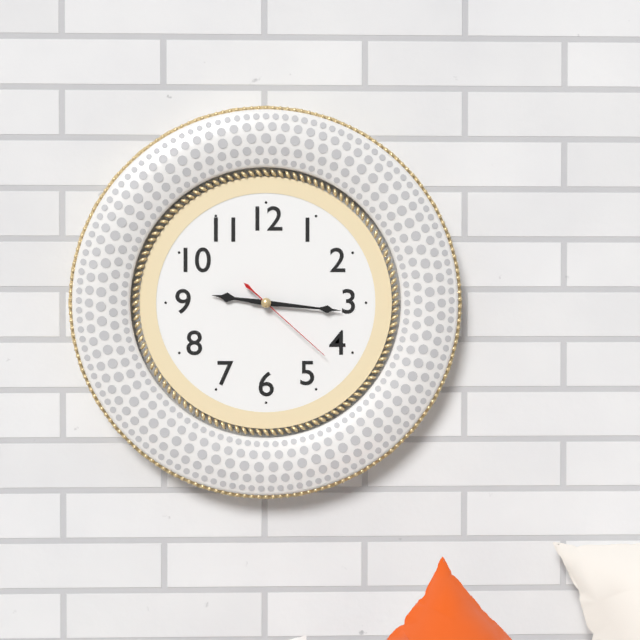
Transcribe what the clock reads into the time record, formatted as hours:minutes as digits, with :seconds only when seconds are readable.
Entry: 9:16:22
